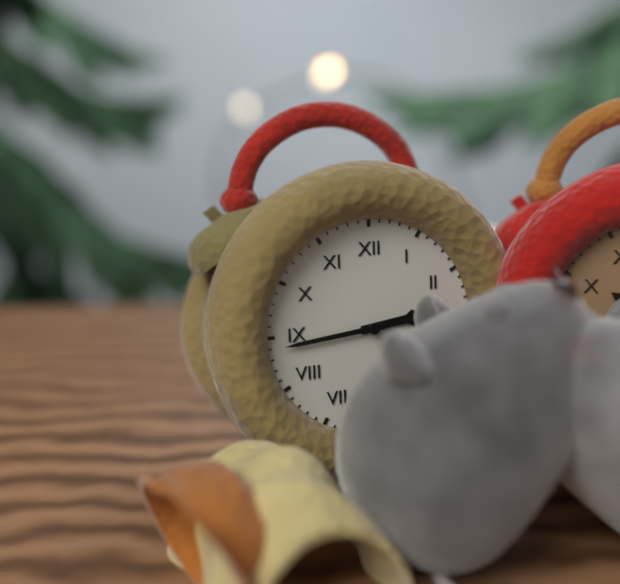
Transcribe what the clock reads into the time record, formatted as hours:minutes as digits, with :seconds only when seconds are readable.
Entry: 2:44
